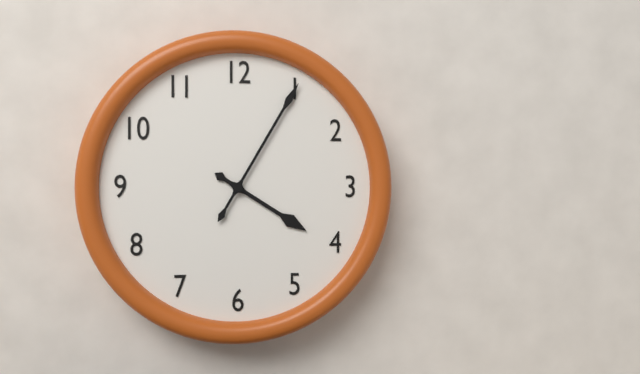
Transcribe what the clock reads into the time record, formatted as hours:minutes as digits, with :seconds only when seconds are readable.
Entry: 4:05
